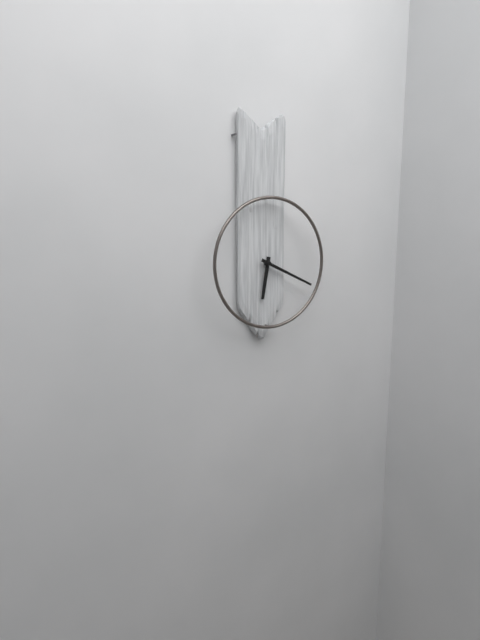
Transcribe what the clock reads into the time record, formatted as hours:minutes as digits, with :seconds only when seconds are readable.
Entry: 6:19
